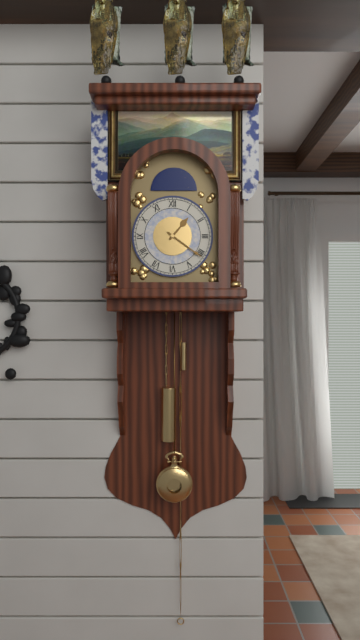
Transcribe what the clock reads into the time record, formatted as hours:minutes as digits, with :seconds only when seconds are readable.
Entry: 1:21
